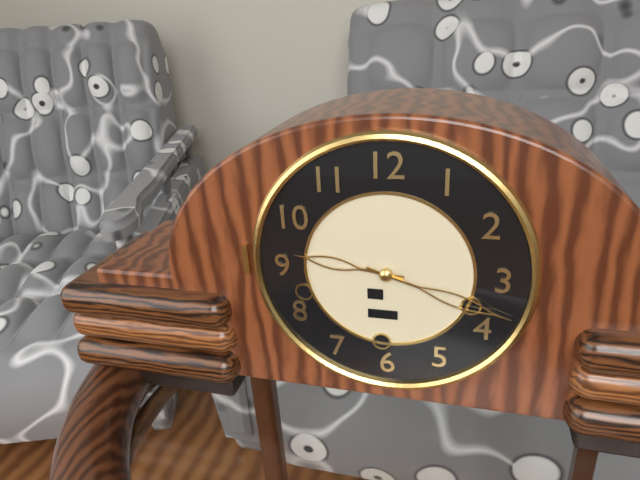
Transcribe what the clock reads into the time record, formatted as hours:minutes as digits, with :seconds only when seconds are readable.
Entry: 9:18
